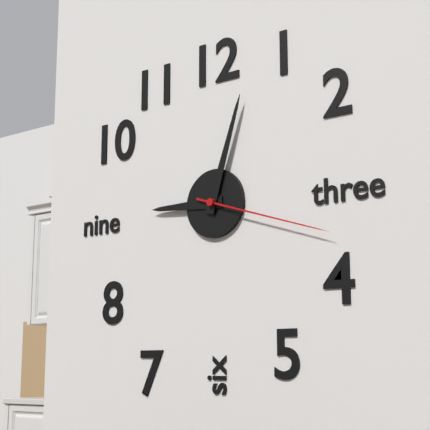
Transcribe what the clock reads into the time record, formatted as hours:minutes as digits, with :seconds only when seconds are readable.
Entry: 9:03:18
